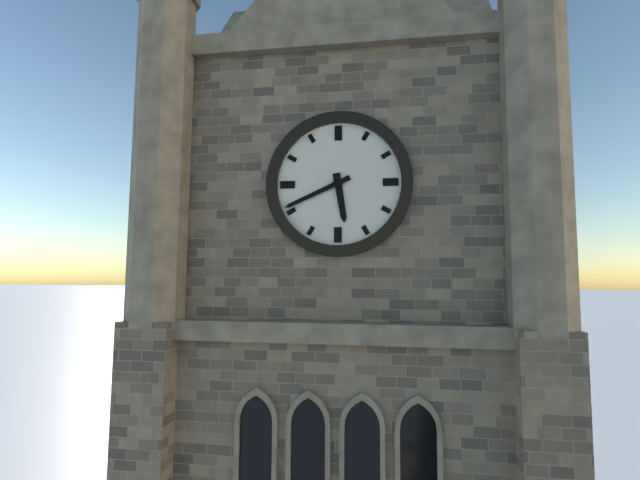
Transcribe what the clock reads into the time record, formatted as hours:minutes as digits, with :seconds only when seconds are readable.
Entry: 5:41
